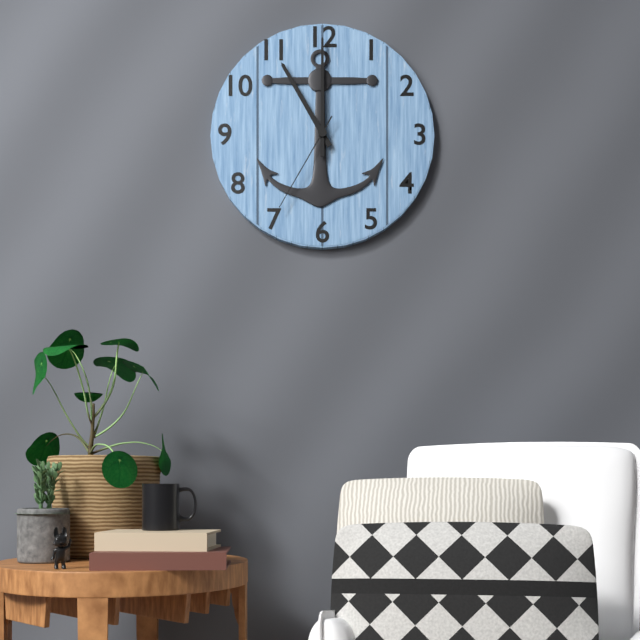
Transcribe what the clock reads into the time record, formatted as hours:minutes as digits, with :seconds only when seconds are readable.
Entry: 11:00:35
